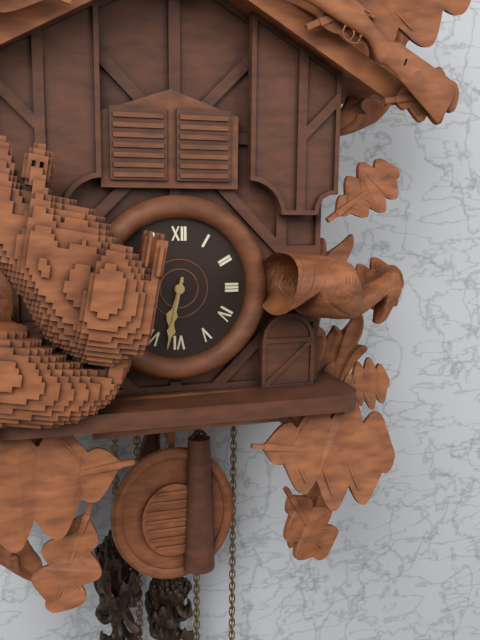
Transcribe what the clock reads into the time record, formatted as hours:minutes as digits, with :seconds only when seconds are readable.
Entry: 6:32
